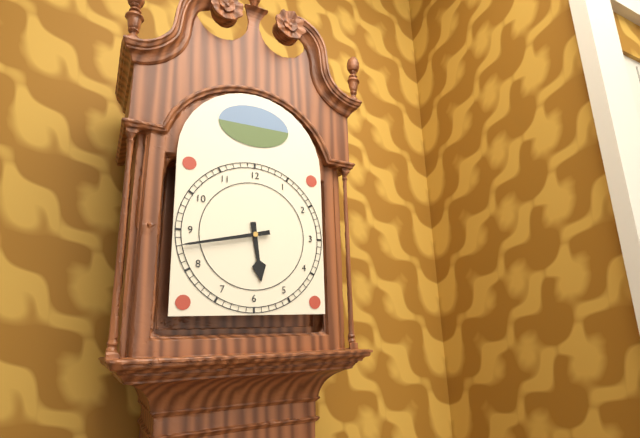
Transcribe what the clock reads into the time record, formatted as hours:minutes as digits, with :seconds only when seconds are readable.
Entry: 5:43
